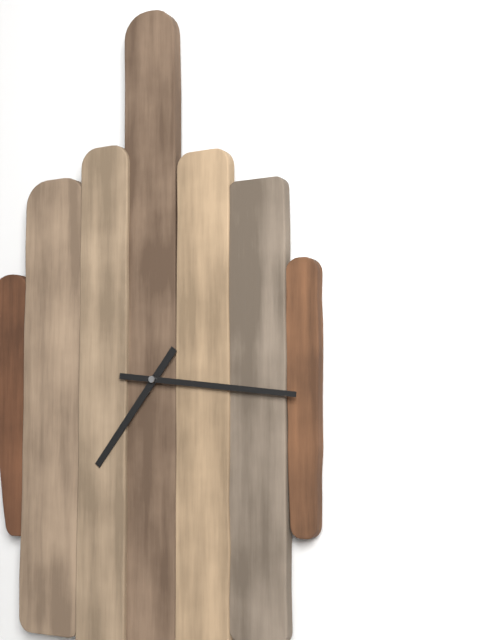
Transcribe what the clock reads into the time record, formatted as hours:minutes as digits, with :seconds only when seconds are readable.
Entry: 7:16
